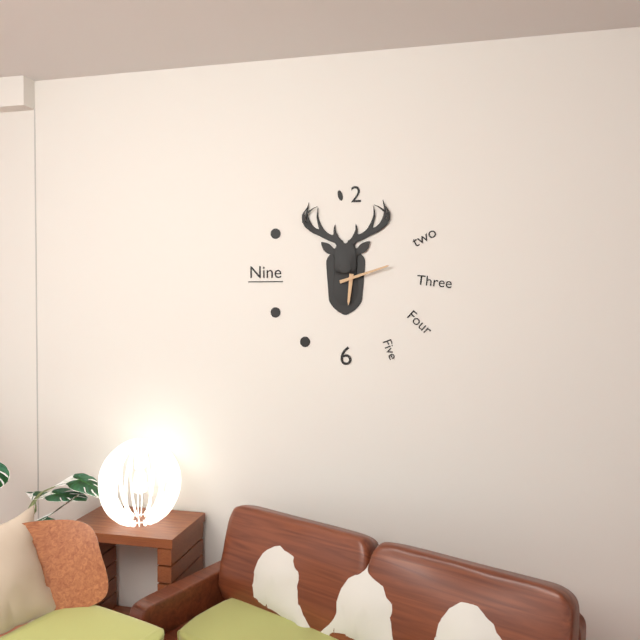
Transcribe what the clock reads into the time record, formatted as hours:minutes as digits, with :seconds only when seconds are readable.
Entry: 6:12
